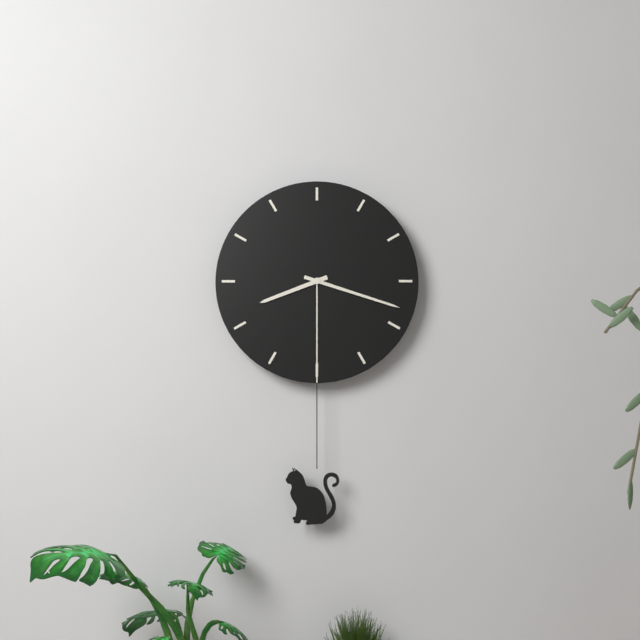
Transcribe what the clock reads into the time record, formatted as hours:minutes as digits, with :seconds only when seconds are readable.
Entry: 8:18
